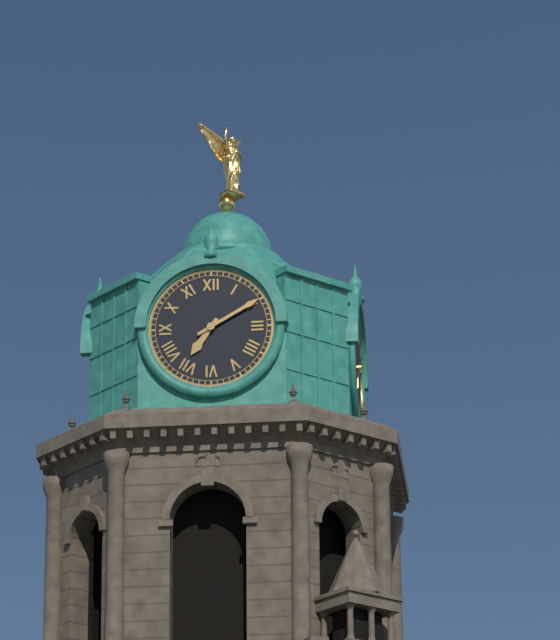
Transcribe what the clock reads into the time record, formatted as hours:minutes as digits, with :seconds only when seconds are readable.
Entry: 7:10
